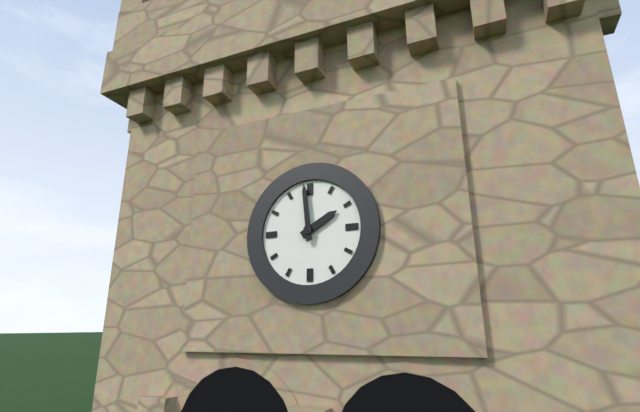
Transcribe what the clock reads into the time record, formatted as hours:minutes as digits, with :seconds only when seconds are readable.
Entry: 1:59
